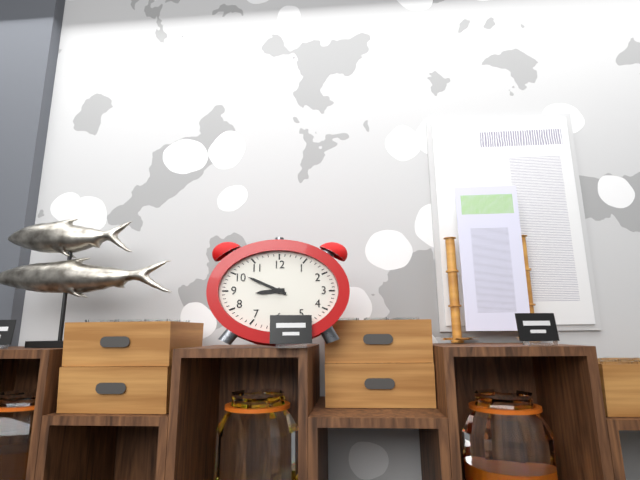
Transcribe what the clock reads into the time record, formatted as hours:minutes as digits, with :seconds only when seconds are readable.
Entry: 8:49
